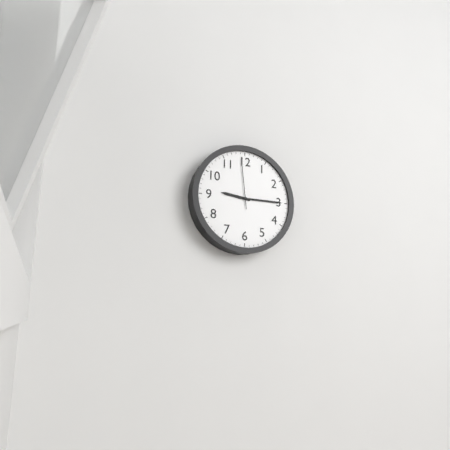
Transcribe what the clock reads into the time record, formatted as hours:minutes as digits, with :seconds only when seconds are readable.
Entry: 9:15:59
